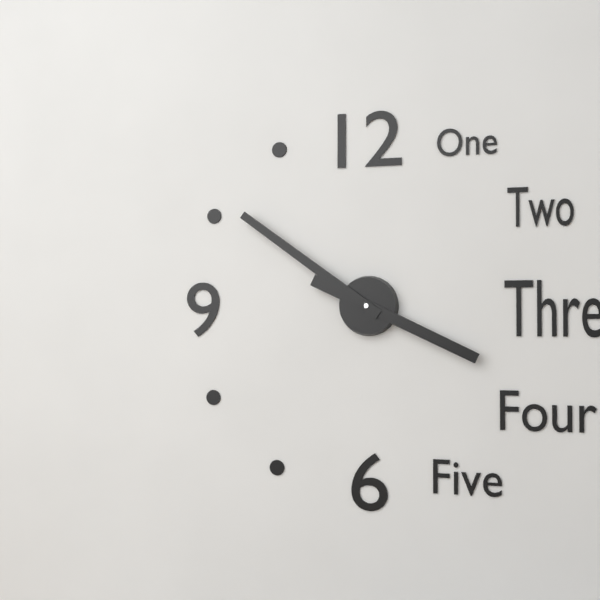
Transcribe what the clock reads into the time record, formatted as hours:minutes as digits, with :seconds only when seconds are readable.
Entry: 3:51
